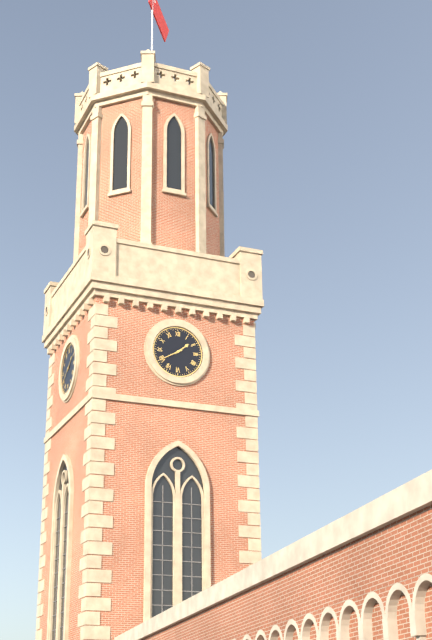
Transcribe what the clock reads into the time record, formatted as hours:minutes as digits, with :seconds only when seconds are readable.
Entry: 1:40
